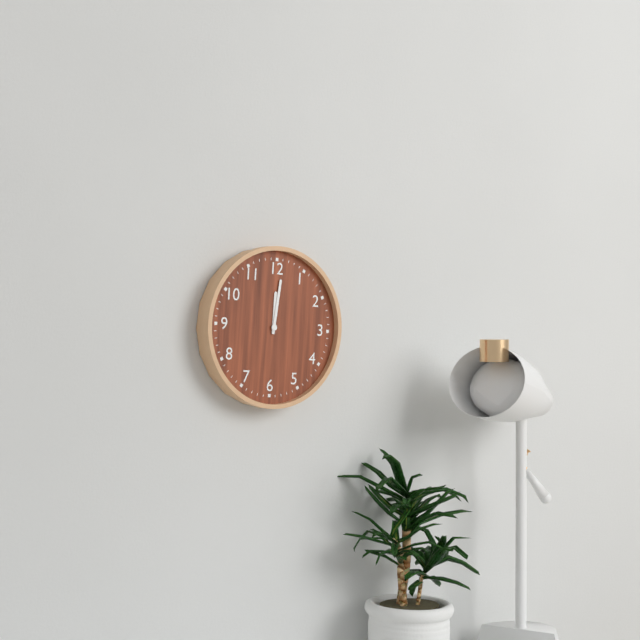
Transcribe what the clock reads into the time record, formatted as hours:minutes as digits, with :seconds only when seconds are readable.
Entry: 12:01
